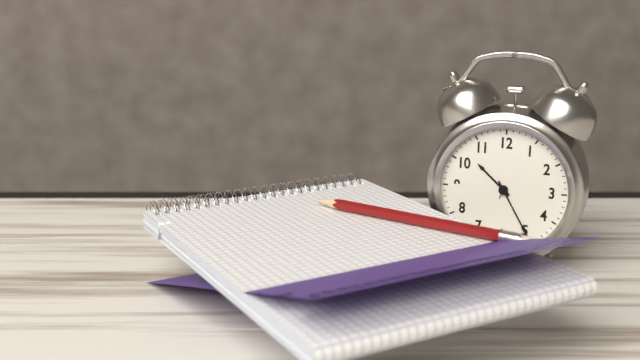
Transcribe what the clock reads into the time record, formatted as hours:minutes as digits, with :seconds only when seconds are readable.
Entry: 10:25
